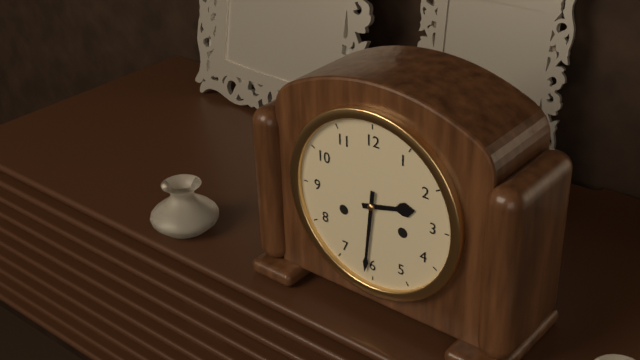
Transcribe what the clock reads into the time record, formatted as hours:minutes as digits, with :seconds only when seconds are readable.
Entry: 2:31
